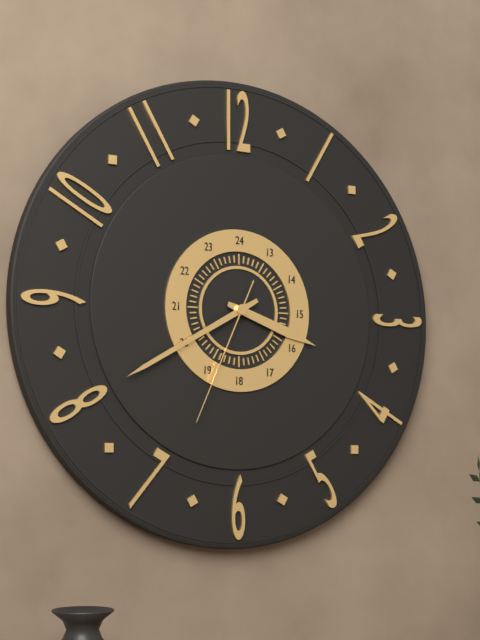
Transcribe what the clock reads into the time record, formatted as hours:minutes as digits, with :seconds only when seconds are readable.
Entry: 3:40:34
